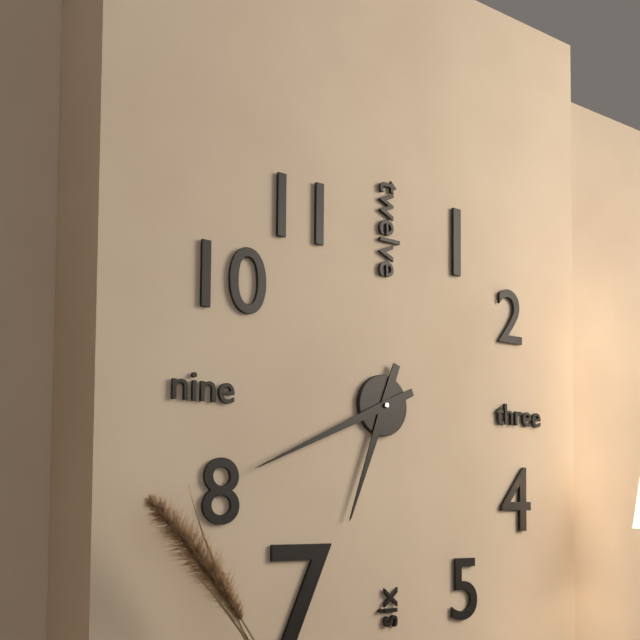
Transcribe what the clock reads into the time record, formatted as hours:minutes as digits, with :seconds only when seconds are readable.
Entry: 6:41
